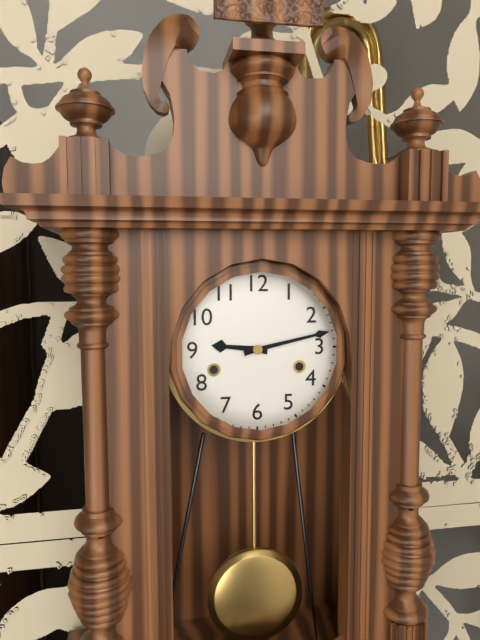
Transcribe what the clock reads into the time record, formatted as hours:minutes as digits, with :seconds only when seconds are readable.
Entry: 9:13
